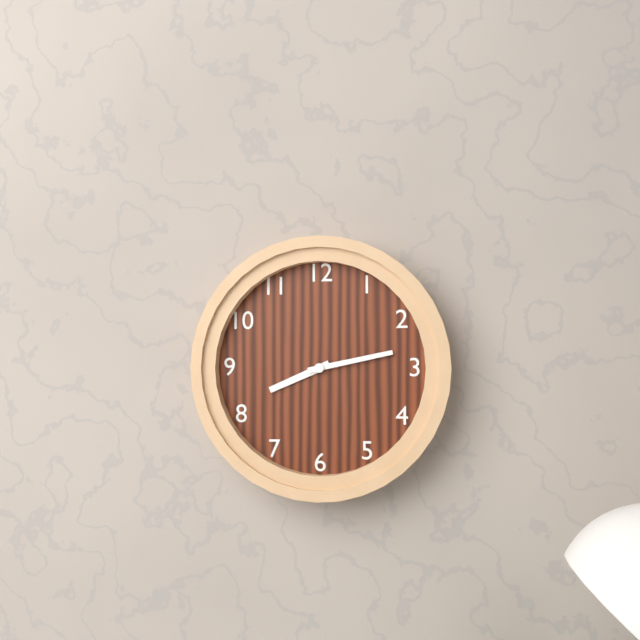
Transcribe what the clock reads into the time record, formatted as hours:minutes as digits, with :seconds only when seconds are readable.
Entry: 8:13
